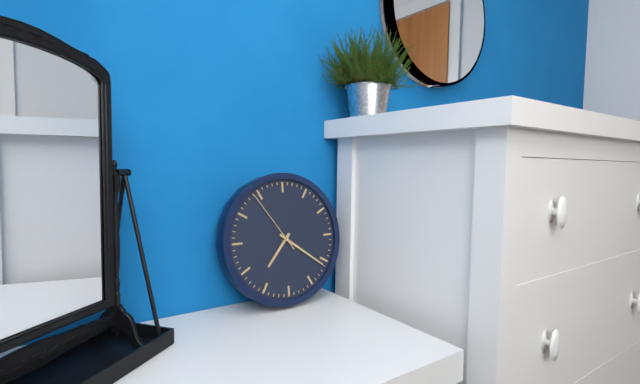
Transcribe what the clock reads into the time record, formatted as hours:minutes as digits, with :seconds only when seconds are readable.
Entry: 7:21:54
